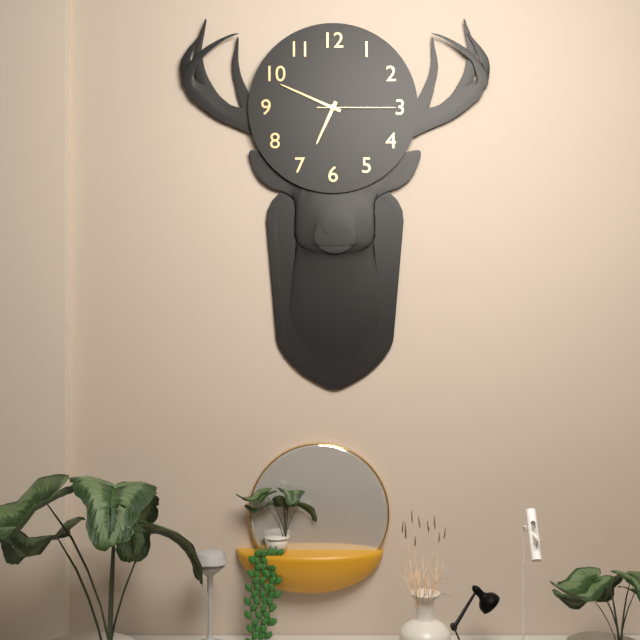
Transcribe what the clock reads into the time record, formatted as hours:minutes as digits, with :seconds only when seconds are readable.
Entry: 6:49:15
